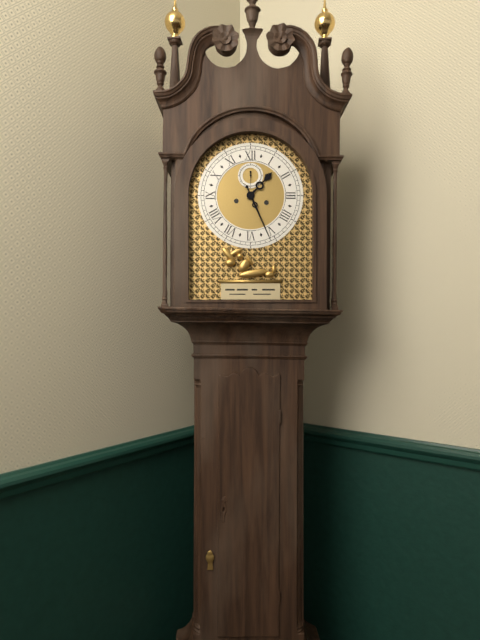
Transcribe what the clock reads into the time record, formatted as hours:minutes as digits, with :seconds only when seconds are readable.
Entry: 1:26
